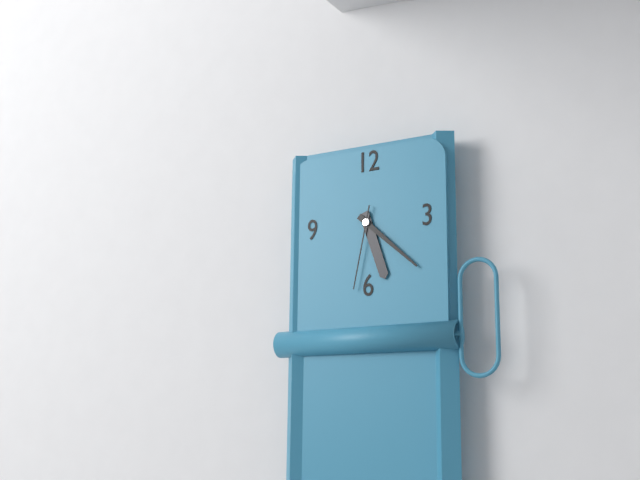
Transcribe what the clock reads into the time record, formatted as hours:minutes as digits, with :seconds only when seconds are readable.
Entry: 5:22:32
